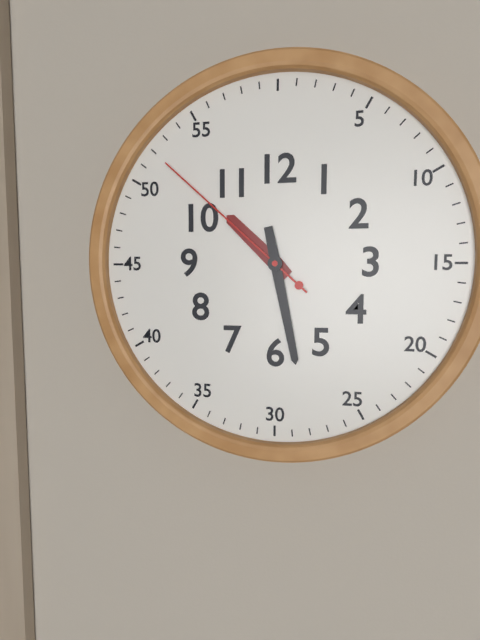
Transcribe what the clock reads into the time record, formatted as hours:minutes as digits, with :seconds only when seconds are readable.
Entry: 10:28:52
